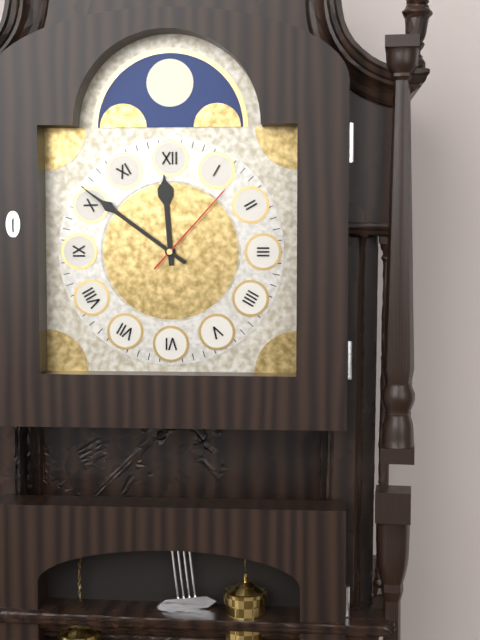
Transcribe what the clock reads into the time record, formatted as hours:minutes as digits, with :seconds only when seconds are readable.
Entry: 11:51:07
